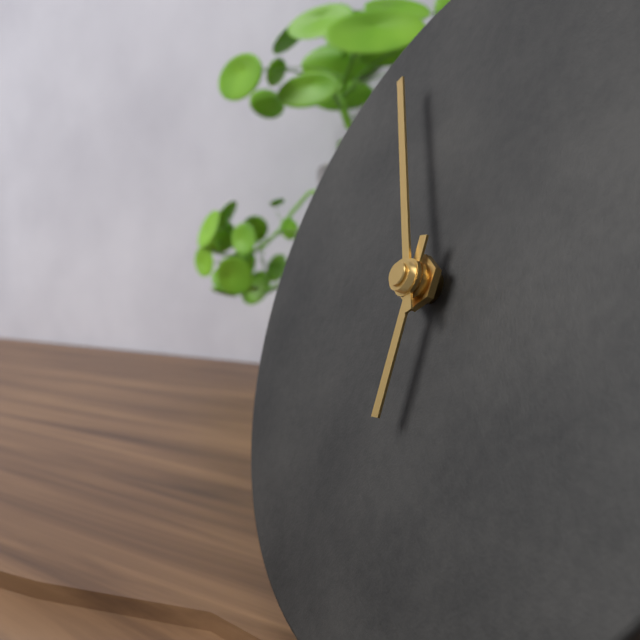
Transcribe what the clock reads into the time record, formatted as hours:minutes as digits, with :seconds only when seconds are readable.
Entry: 5:55
